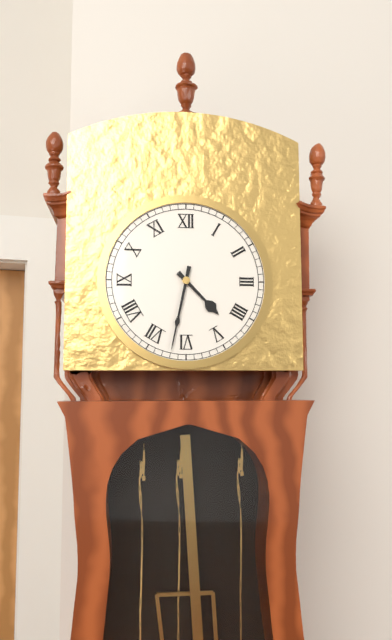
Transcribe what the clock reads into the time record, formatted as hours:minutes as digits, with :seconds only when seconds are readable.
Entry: 4:32
